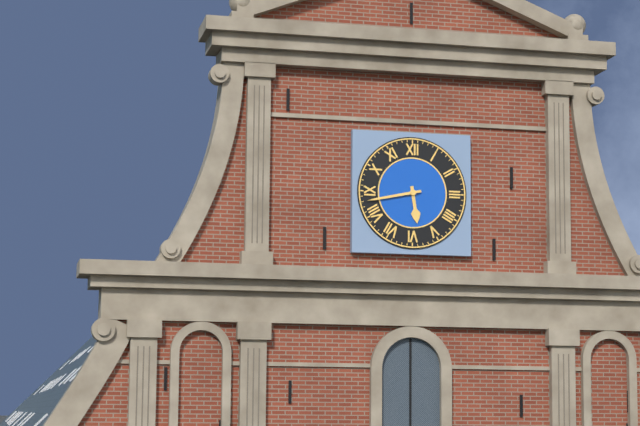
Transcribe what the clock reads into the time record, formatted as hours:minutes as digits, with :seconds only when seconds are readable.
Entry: 5:43
